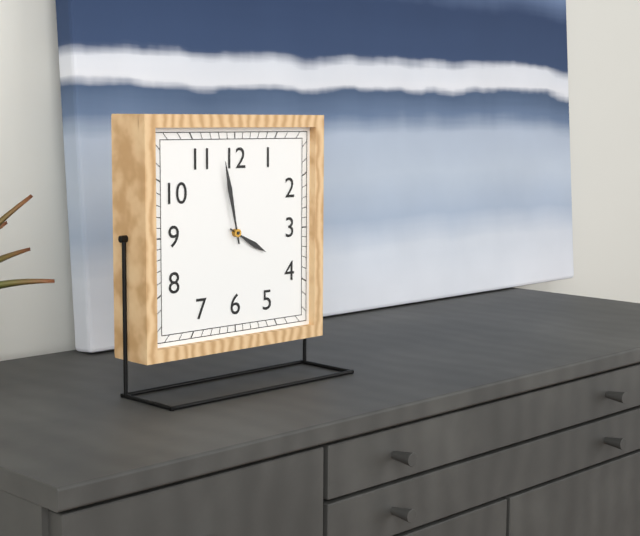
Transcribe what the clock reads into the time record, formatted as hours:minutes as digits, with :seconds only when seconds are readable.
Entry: 3:58
